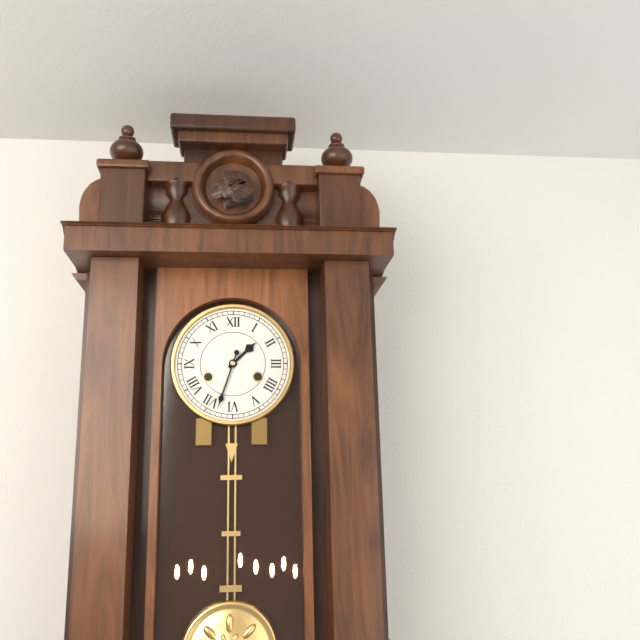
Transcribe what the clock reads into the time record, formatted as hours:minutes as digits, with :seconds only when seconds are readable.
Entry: 1:33
